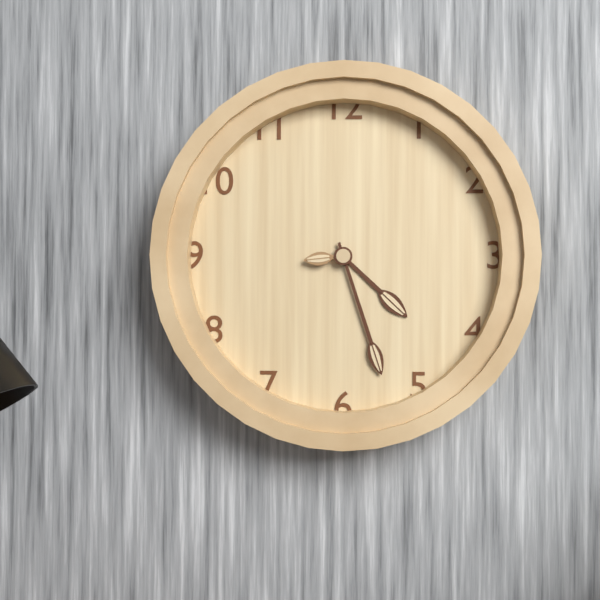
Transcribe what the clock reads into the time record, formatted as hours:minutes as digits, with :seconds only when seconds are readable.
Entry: 4:27:44
